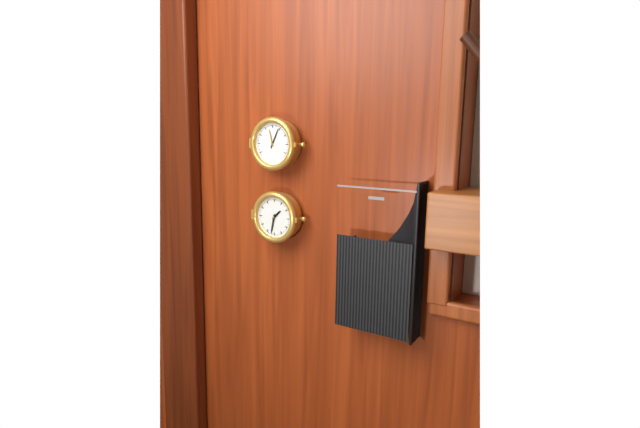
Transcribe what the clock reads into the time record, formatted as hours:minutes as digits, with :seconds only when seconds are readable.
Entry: 1:32
